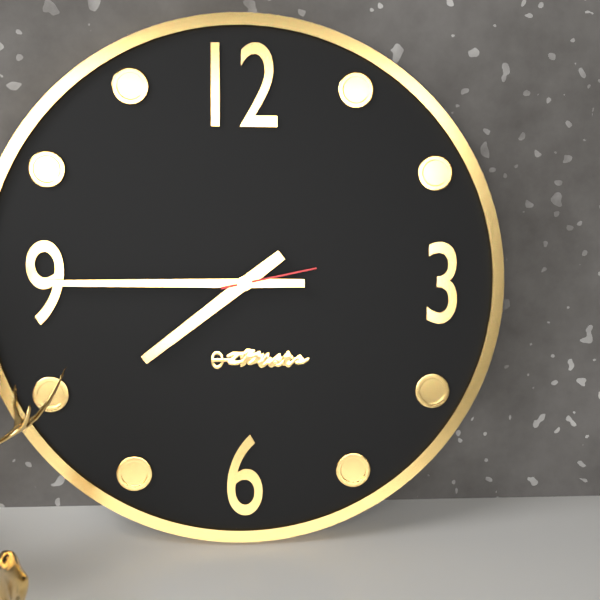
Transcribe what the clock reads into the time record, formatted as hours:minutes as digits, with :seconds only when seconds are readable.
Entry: 7:45:13
